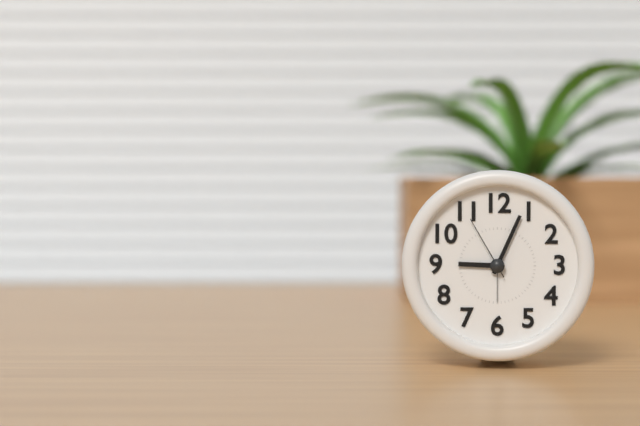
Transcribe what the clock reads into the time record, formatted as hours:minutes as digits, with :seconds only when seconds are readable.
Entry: 9:04:55
